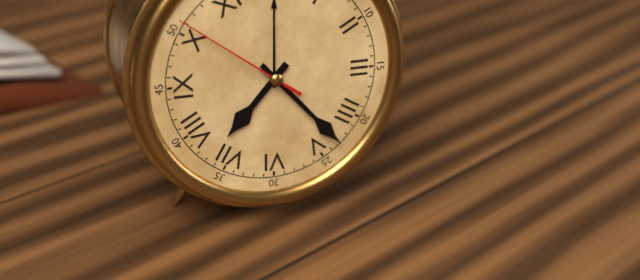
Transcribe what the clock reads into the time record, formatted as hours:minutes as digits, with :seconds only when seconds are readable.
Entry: 7:23:51
